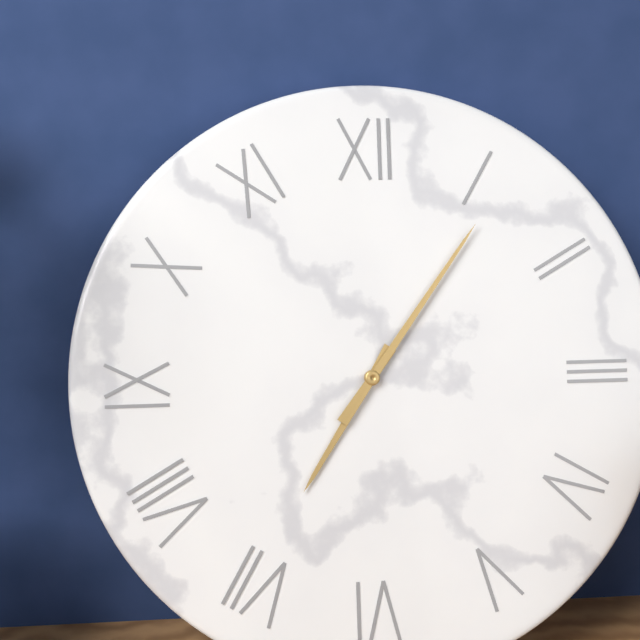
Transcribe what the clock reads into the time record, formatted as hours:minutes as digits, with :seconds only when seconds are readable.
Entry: 7:06
